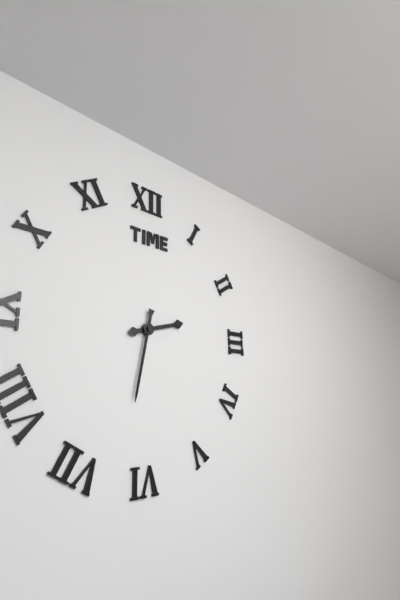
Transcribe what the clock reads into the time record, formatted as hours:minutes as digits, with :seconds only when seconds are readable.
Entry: 2:32
